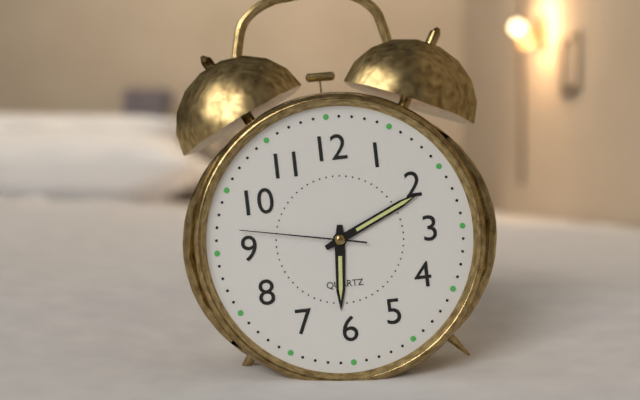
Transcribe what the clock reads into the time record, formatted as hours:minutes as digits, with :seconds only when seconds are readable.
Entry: 6:11:47
